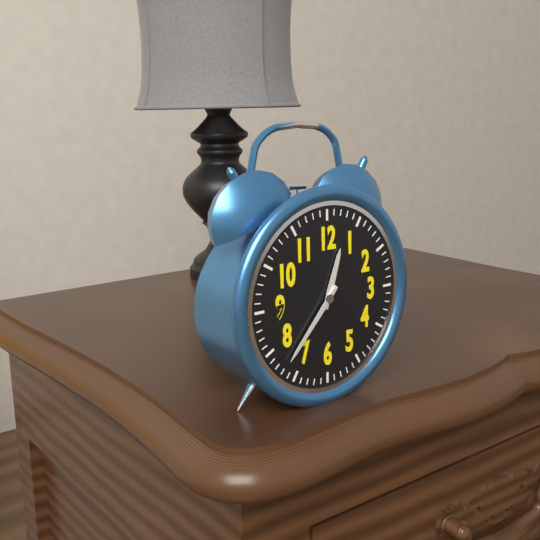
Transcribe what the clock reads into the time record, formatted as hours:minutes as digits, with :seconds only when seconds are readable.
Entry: 12:37
